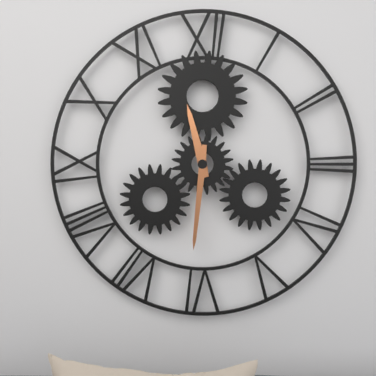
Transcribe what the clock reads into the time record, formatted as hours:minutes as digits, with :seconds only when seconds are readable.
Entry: 11:31
